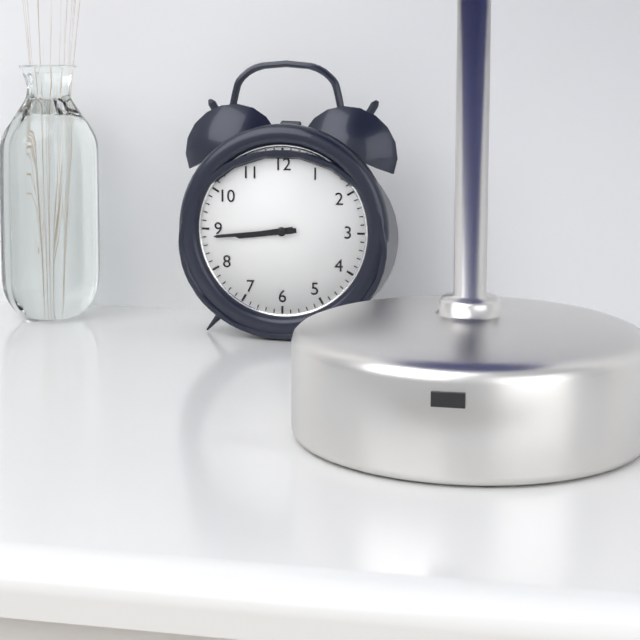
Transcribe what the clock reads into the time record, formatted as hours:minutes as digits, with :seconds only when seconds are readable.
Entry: 8:44
